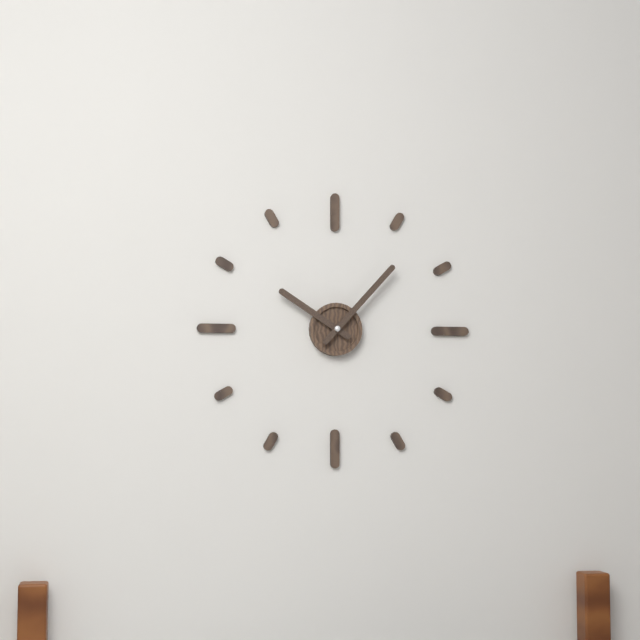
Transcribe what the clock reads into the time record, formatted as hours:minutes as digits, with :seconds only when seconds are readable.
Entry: 10:07
